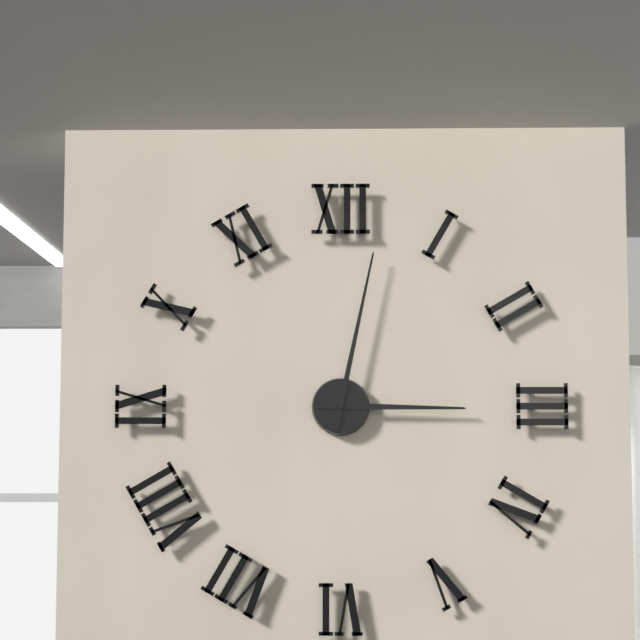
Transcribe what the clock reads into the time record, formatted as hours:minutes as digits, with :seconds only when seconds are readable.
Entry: 3:02
